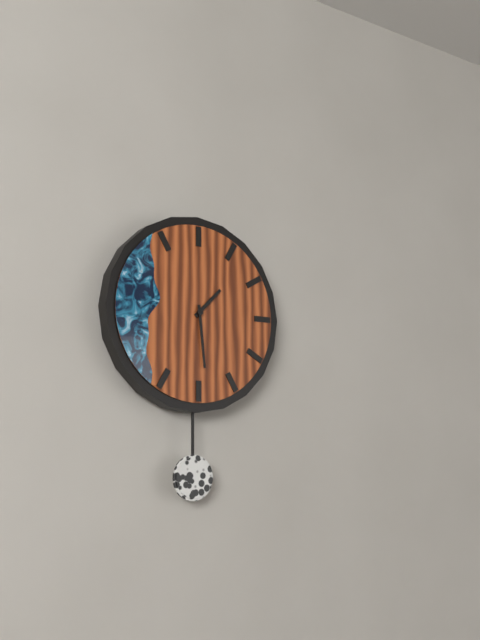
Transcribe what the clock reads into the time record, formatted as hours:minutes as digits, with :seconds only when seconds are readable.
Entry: 1:29
